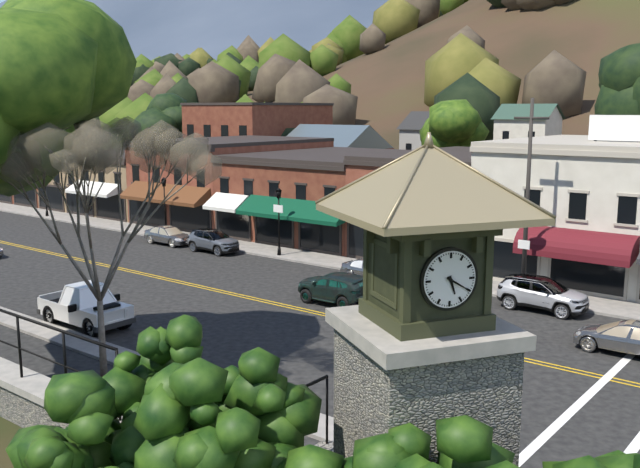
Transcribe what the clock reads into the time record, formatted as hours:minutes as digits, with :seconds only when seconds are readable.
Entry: 5:20
